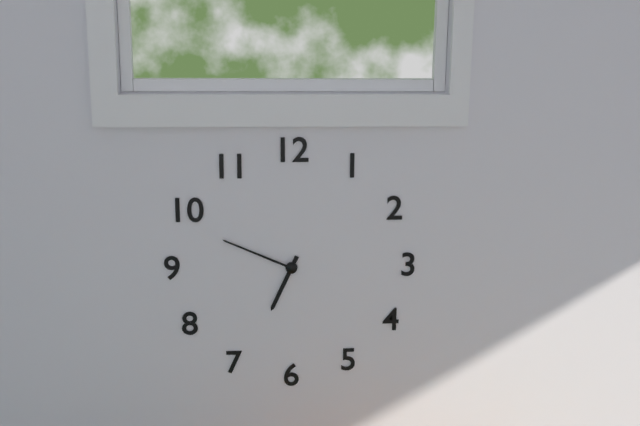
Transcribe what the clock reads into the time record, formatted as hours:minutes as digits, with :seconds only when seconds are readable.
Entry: 6:49
